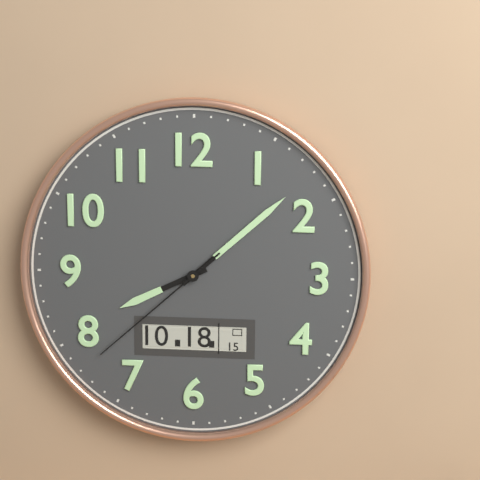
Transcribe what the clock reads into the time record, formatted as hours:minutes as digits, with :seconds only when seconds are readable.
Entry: 8:08:38
